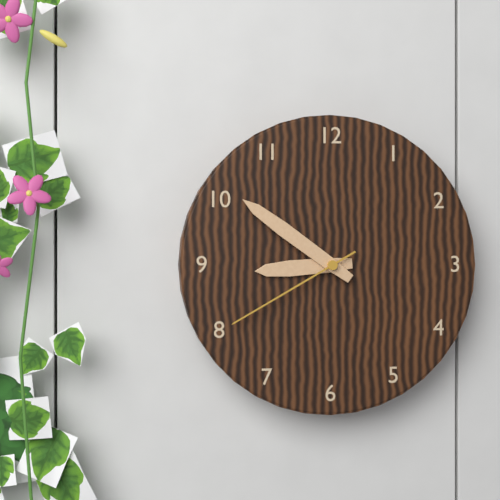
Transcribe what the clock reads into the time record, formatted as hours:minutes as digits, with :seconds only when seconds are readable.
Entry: 8:51:40
